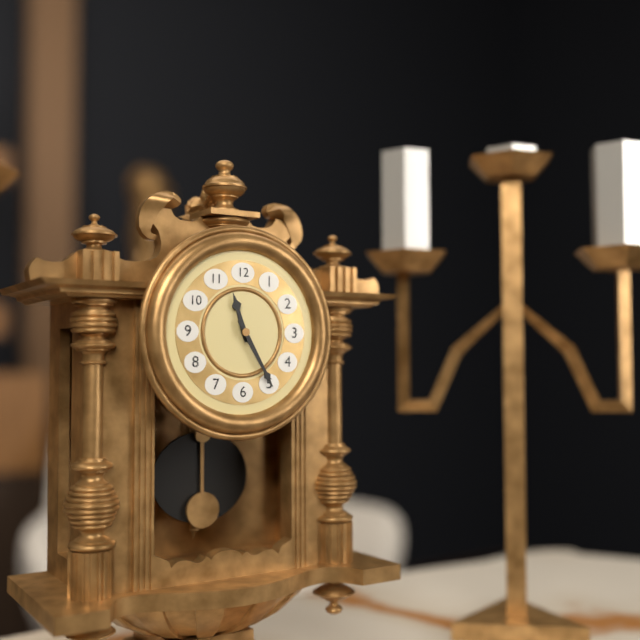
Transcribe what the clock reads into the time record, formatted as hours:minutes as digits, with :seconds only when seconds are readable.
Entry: 11:25
